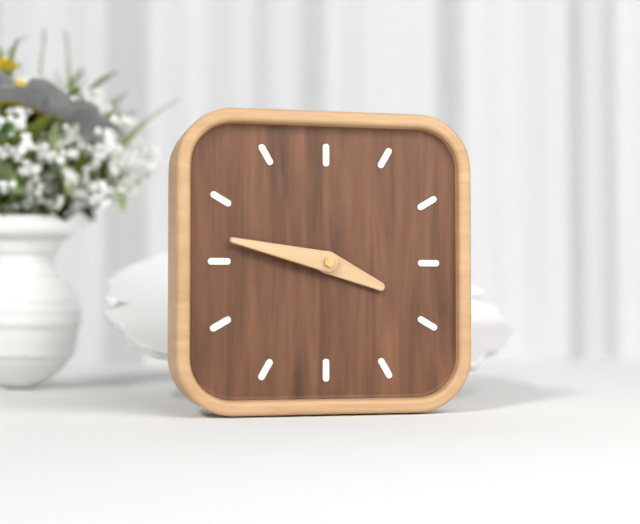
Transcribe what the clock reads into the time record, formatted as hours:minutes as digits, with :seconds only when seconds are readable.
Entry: 3:47
